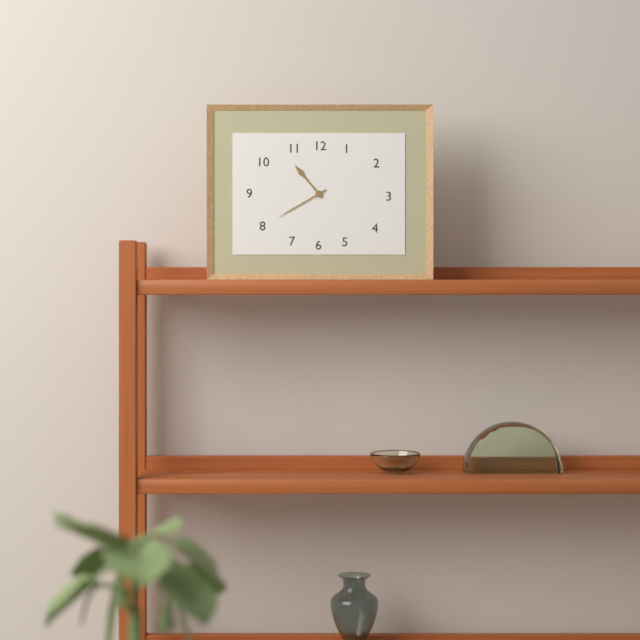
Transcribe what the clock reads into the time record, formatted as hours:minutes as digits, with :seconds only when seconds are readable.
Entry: 10:40
